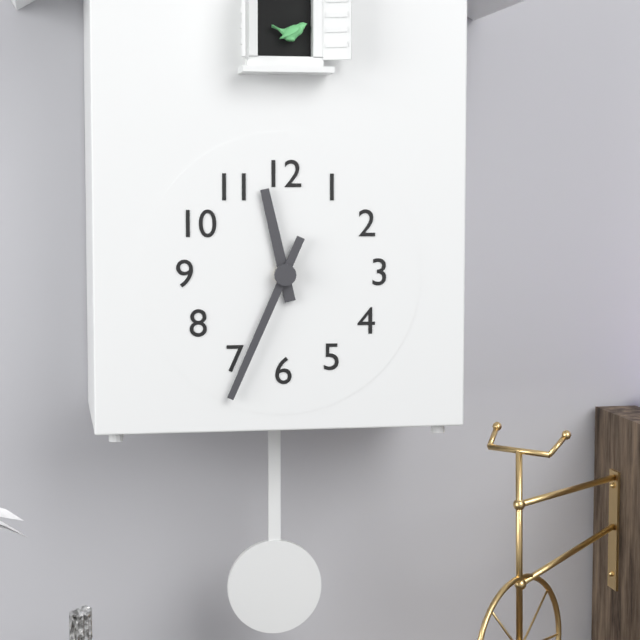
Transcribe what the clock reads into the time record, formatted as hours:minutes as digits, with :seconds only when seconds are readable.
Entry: 11:34
